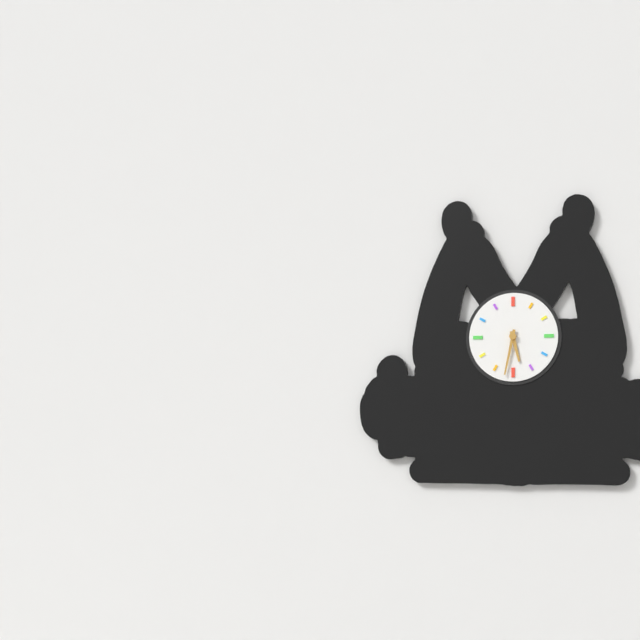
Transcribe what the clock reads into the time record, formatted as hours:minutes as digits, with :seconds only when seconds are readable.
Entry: 5:32
